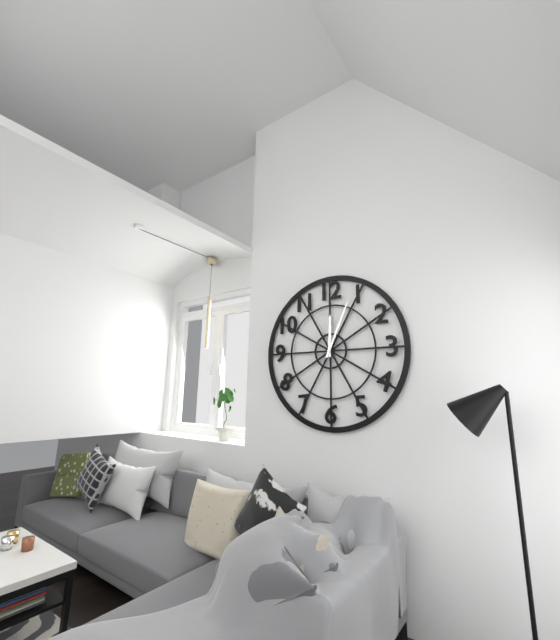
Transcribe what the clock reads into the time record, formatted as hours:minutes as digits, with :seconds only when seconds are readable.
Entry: 12:04
